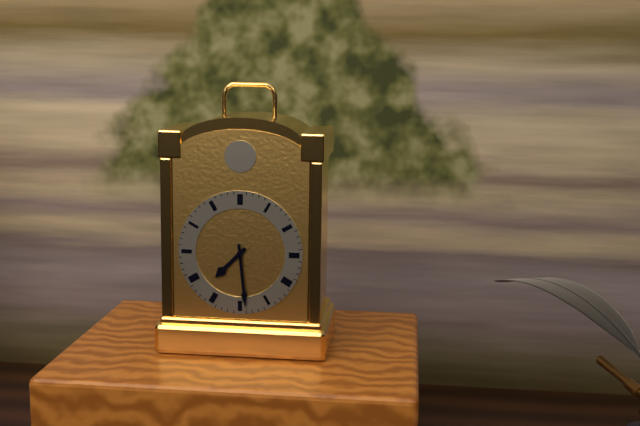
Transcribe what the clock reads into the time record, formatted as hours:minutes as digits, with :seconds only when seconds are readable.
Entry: 7:29
